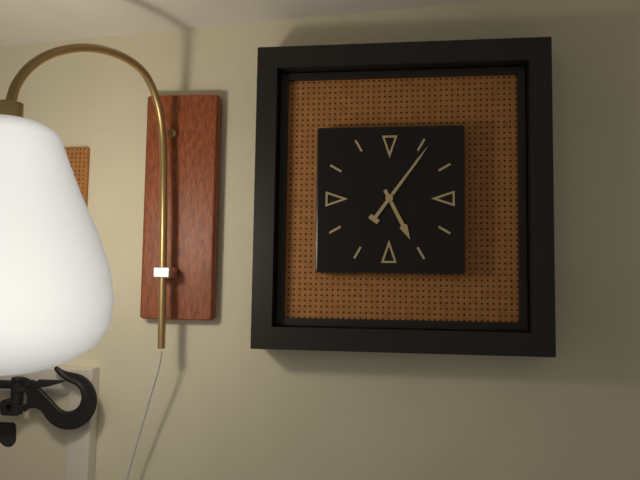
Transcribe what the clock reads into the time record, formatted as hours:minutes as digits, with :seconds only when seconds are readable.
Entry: 5:06
